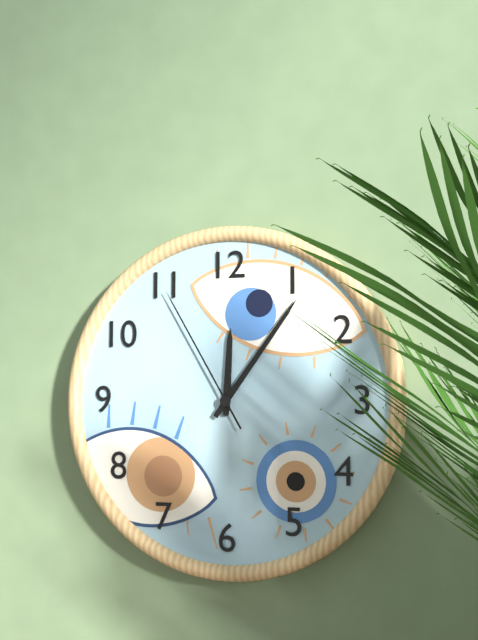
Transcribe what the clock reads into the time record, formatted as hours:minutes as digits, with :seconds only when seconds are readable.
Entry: 12:06:55
